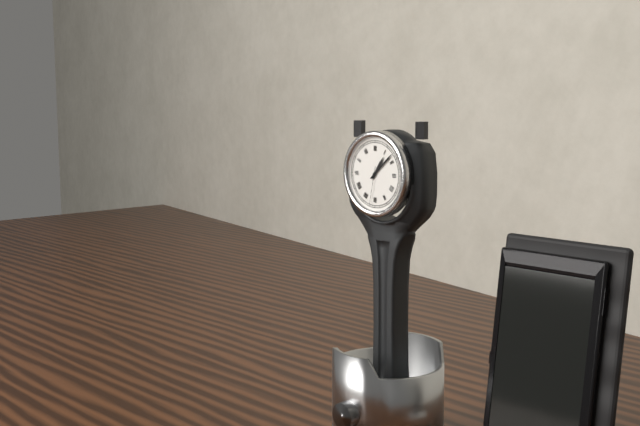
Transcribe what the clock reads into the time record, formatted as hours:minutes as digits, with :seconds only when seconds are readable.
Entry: 1:08
